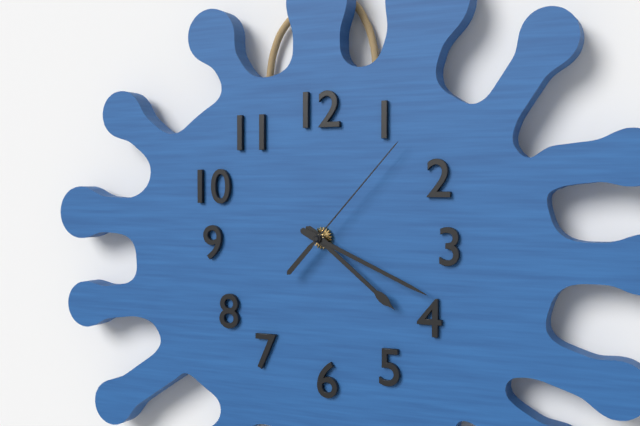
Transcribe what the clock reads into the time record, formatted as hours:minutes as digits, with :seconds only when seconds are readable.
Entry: 4:19:07
